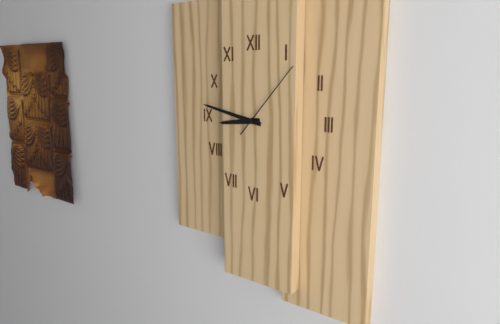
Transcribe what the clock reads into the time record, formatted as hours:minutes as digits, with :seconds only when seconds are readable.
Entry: 8:47:07
